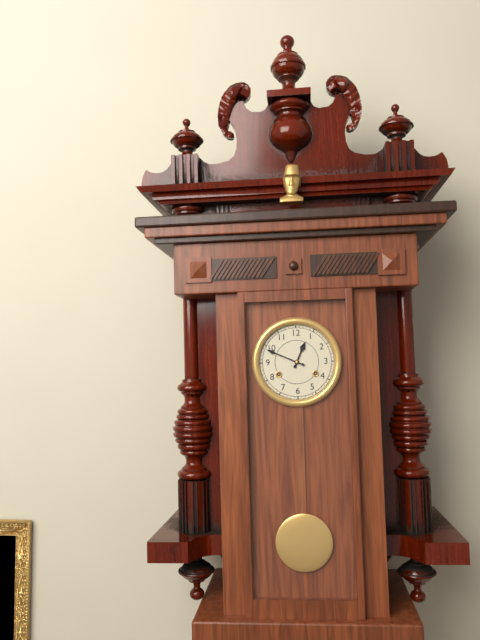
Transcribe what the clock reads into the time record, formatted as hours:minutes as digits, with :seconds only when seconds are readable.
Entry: 12:49
